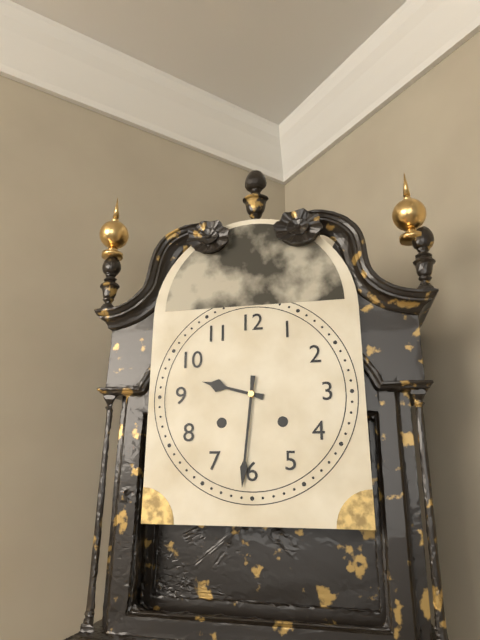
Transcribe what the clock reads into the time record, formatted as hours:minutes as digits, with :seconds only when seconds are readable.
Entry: 9:31
